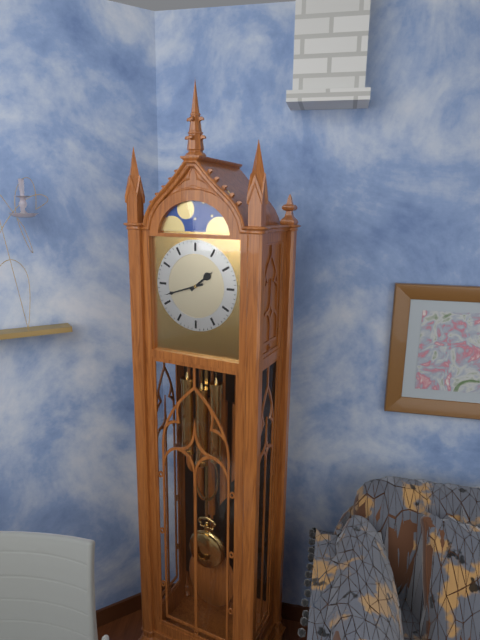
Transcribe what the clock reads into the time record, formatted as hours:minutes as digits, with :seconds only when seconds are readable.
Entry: 1:42
